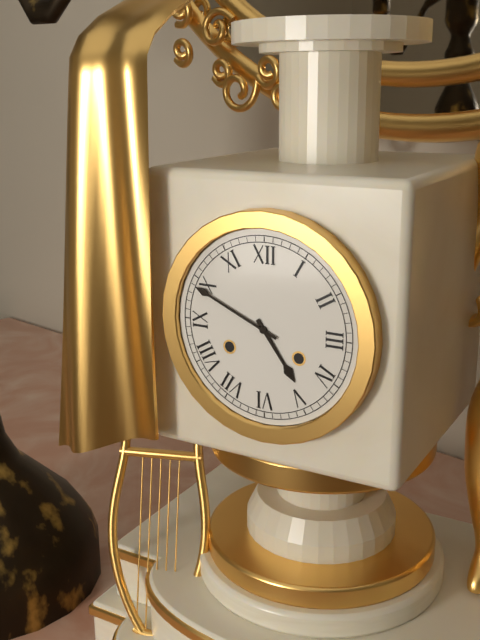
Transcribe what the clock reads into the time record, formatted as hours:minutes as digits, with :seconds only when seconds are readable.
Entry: 4:49
